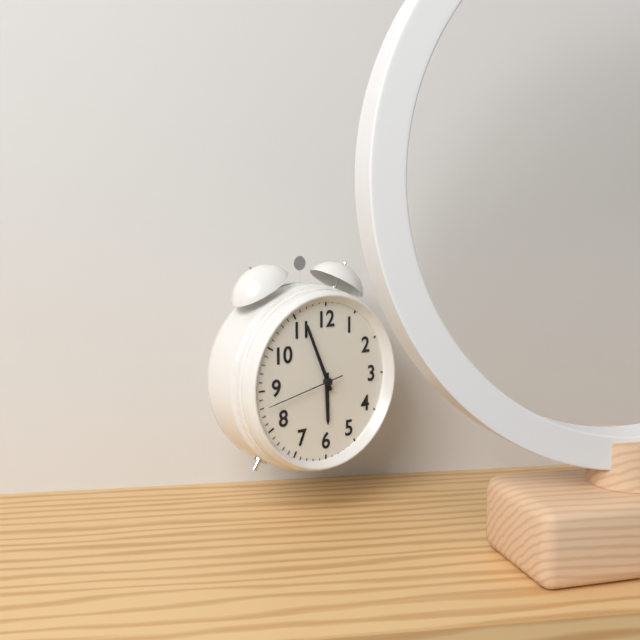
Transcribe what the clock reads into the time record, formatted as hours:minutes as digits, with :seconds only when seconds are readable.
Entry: 5:56:43
